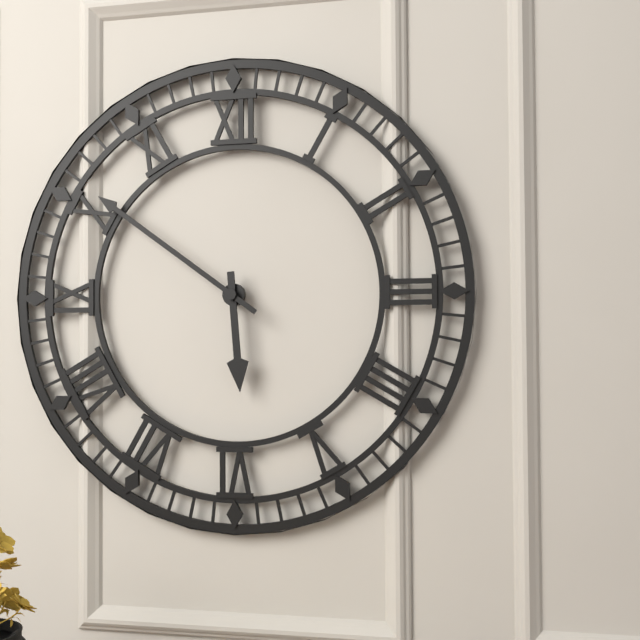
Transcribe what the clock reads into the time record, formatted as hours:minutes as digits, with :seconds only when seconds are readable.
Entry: 5:51
